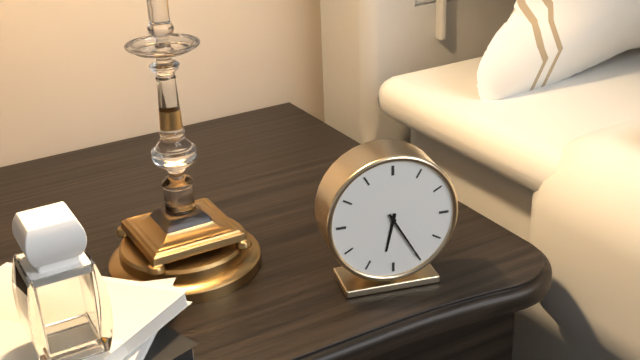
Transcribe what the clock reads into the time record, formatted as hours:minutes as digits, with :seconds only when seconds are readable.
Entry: 6:25
